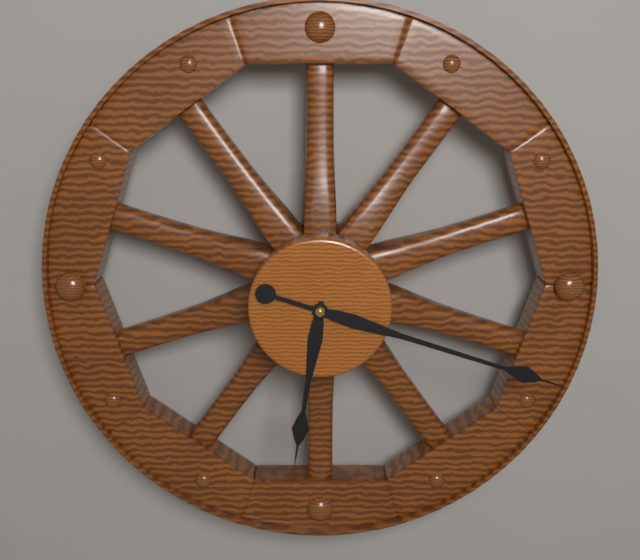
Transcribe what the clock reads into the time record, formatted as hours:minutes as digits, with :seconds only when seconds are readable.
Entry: 6:18
